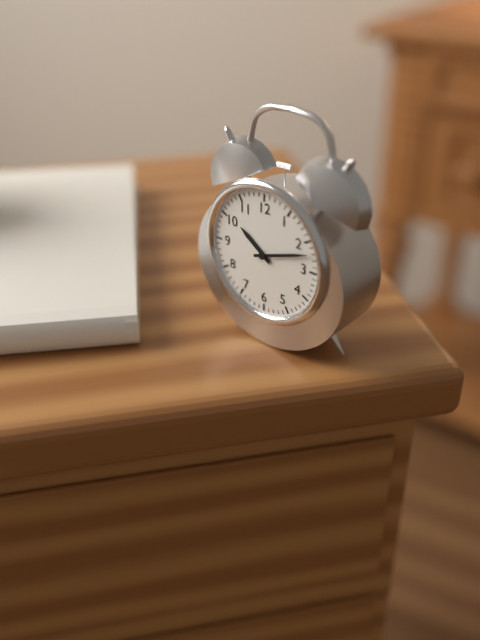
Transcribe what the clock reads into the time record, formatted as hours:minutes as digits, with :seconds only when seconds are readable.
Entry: 10:12
